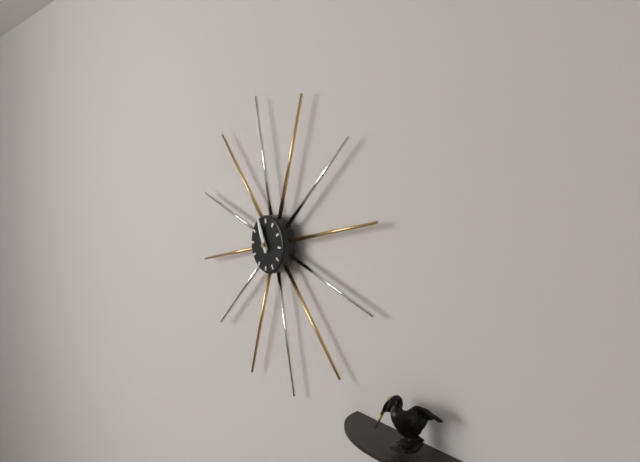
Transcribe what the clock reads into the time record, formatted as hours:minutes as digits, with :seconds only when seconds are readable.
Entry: 10:56
